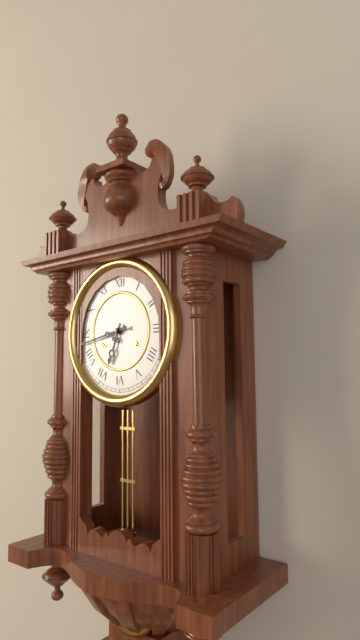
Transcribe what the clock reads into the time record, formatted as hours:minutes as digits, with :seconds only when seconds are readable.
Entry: 6:43
